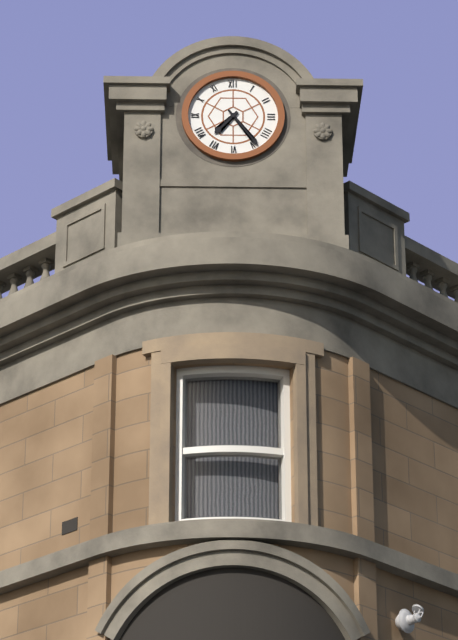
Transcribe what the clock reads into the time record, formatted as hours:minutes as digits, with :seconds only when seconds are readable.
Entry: 7:24
